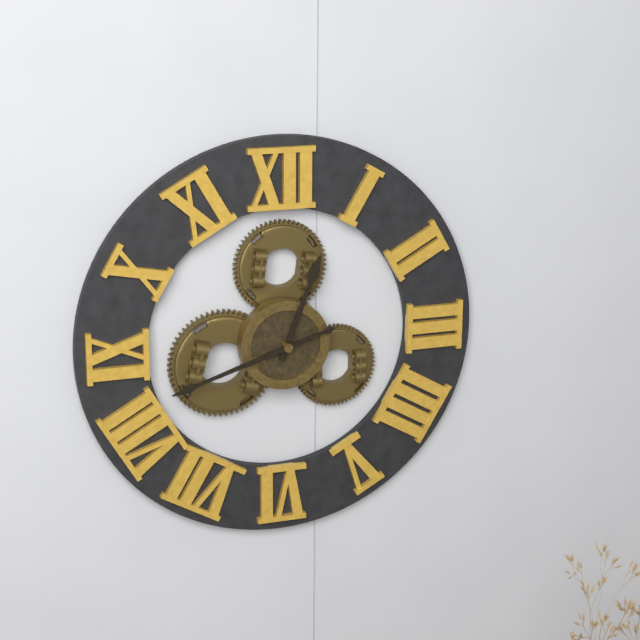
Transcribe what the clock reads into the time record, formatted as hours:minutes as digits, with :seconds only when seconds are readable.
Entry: 12:42
